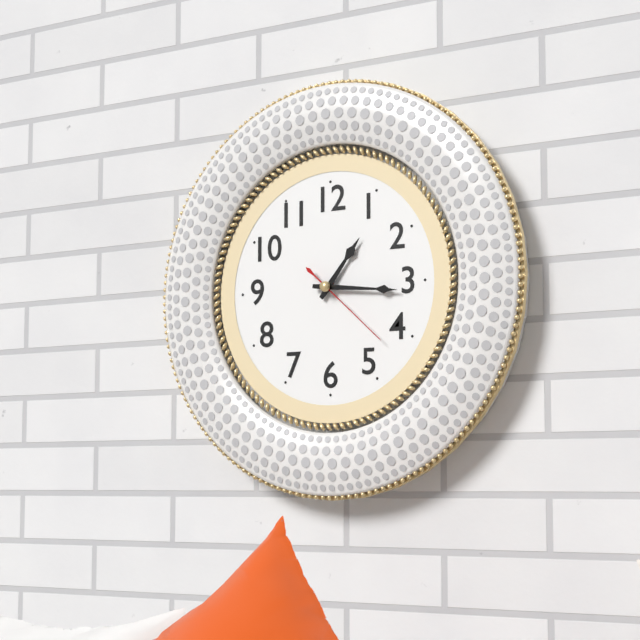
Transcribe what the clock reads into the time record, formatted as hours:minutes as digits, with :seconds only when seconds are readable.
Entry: 1:16:22
